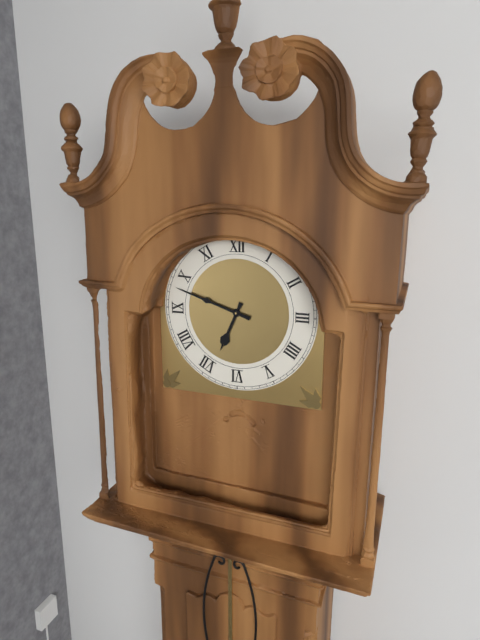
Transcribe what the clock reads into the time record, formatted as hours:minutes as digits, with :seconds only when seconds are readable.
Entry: 6:48
